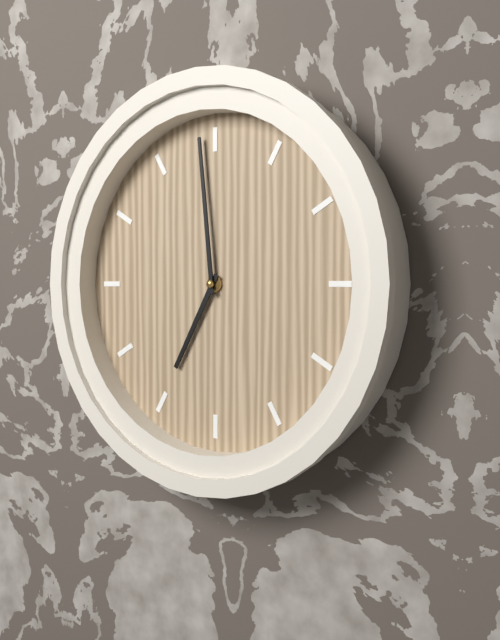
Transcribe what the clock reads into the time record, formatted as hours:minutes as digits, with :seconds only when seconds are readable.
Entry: 6:59
